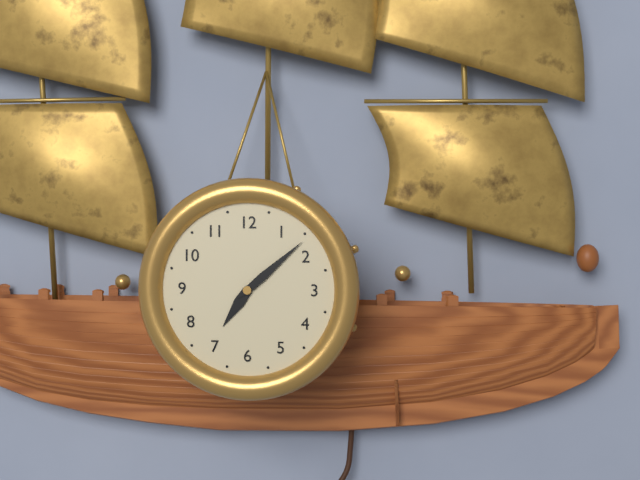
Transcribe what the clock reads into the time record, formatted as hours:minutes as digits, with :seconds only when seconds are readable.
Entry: 7:08
